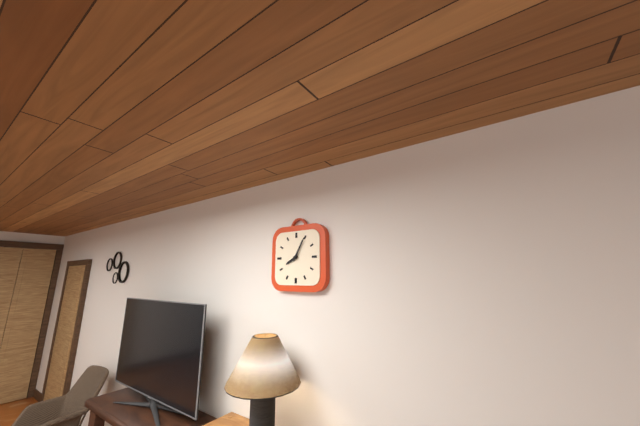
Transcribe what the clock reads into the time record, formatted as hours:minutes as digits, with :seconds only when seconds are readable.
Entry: 8:05
